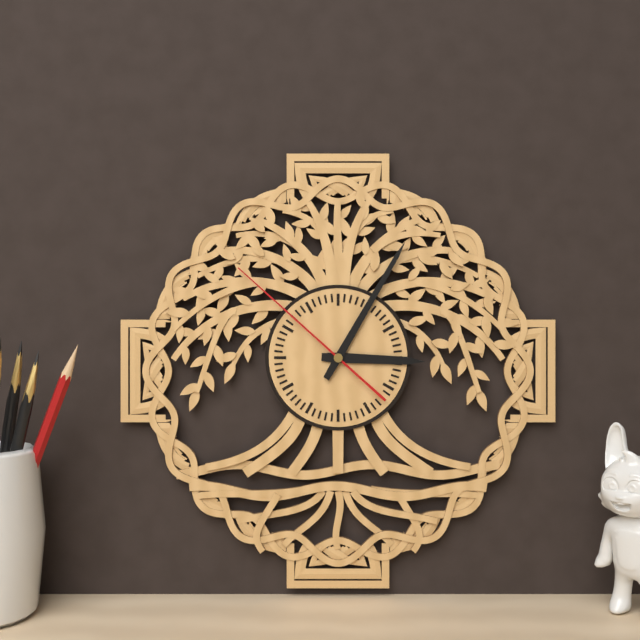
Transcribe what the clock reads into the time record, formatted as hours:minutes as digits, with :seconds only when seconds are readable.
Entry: 3:05:52
